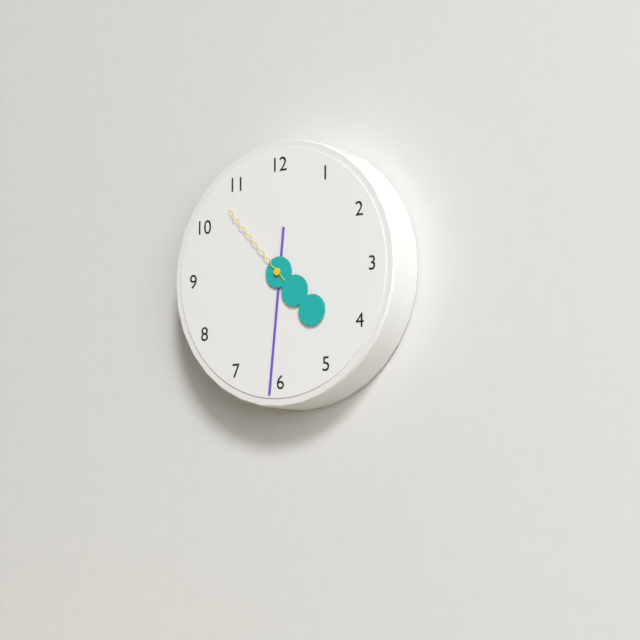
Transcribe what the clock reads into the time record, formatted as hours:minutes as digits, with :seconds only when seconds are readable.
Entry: 4:31:53
